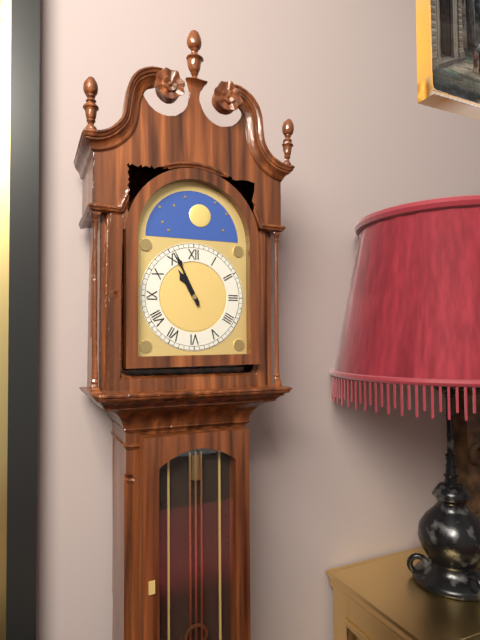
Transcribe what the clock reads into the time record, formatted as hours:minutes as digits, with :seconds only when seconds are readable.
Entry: 10:56
